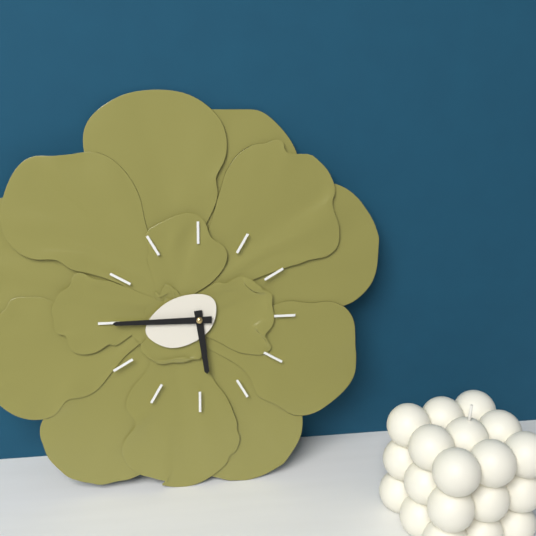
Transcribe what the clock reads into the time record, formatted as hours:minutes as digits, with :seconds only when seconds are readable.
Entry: 5:45
